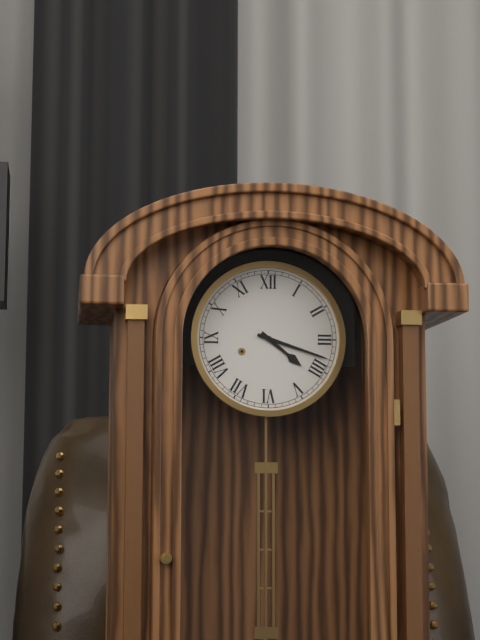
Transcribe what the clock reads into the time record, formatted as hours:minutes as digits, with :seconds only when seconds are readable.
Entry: 4:18
